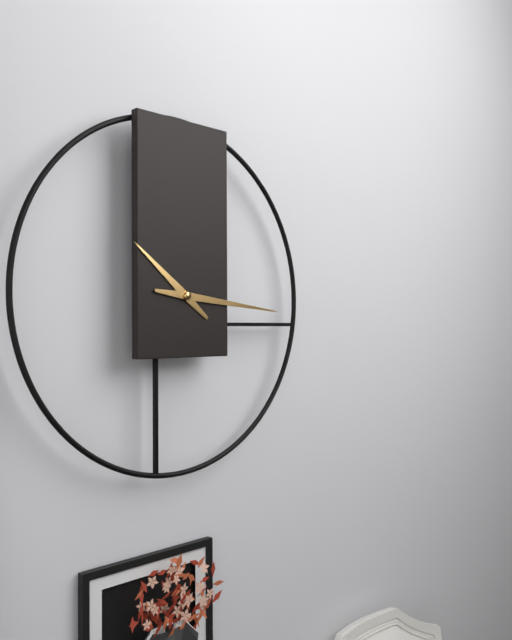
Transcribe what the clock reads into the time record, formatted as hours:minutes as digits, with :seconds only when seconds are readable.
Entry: 10:16
